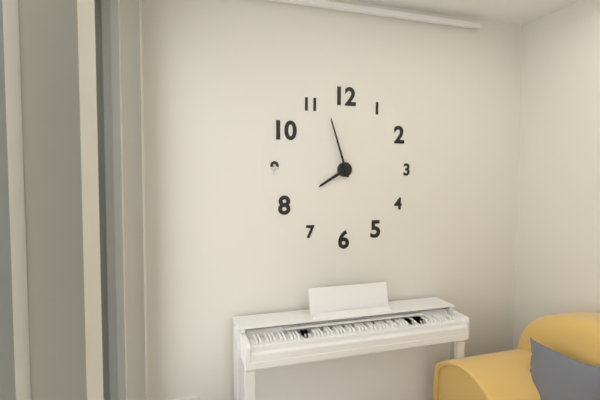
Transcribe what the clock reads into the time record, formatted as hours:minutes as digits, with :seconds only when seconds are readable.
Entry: 7:57
